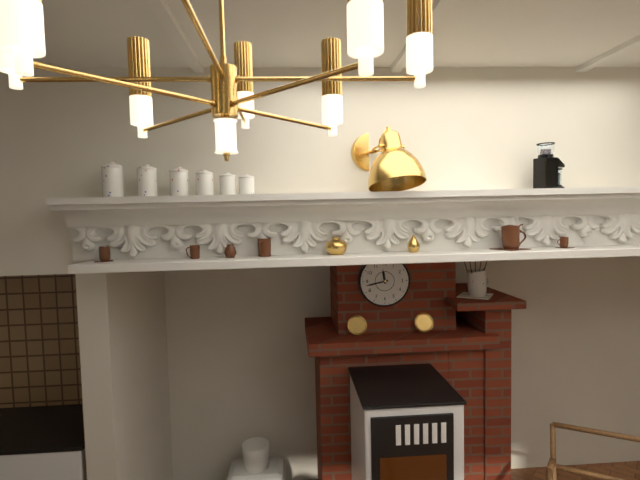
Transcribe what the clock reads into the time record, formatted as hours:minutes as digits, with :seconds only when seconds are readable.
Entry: 11:43
